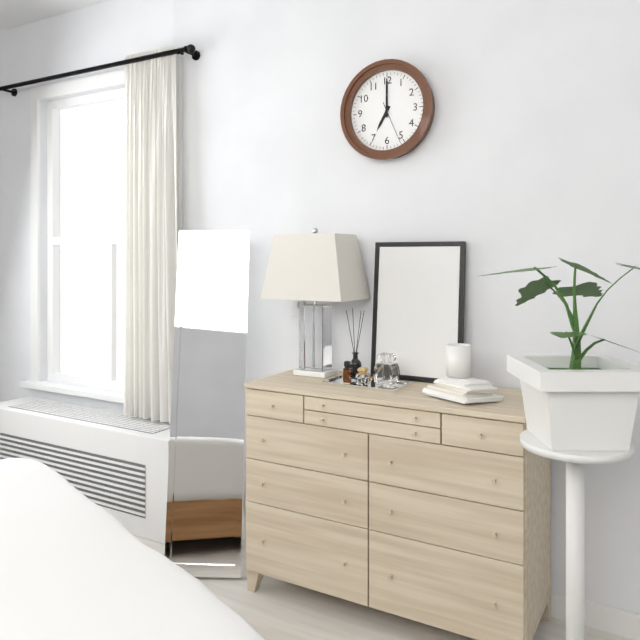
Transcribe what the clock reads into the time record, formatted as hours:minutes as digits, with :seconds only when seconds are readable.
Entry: 7:00
